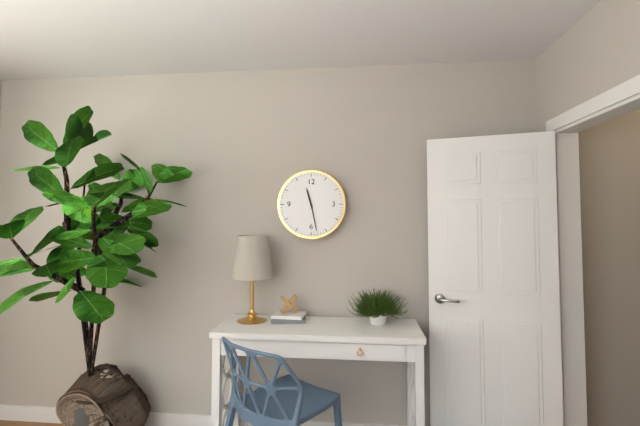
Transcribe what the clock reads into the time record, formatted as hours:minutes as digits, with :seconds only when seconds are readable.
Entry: 11:28
